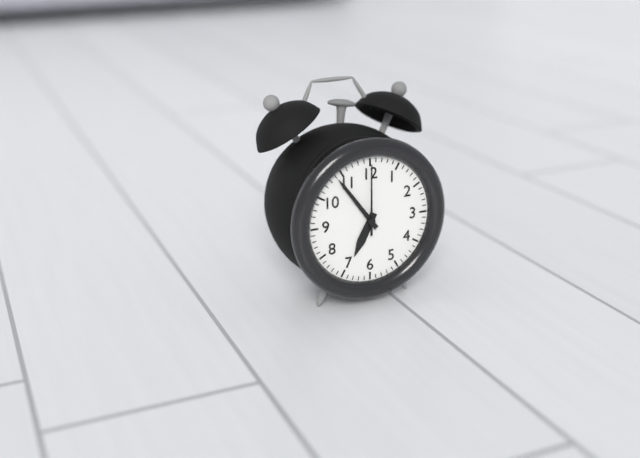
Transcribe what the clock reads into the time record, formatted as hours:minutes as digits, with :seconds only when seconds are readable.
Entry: 6:54:00
